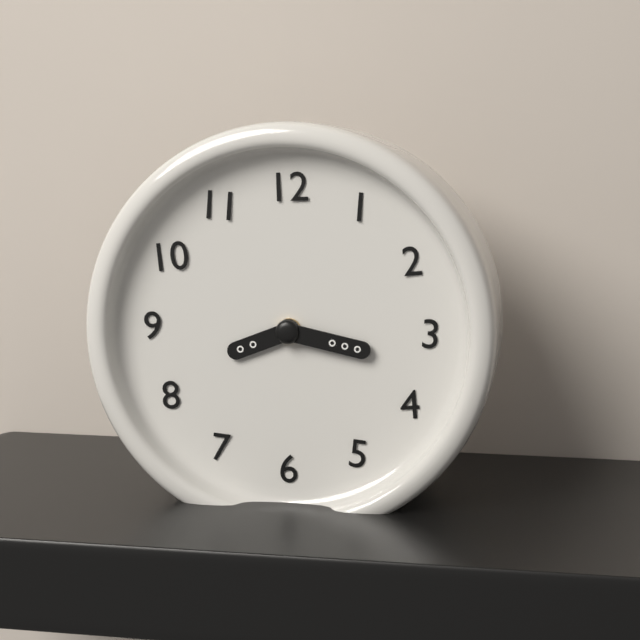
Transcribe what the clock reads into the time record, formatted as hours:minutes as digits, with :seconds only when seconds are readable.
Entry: 8:17
